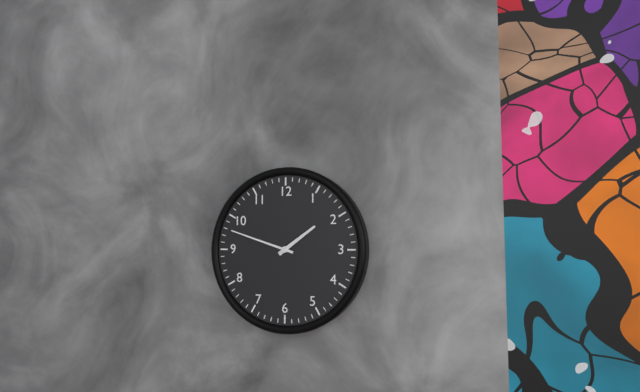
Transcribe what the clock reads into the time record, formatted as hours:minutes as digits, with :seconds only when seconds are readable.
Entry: 1:48
